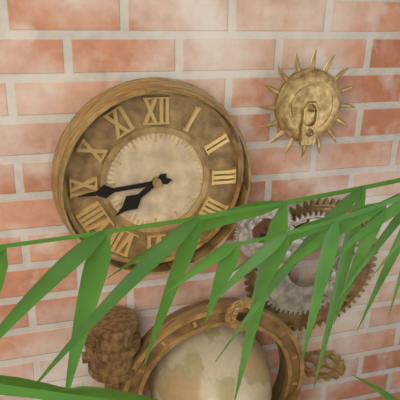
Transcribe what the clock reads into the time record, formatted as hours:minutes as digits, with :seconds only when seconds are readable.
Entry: 7:44
